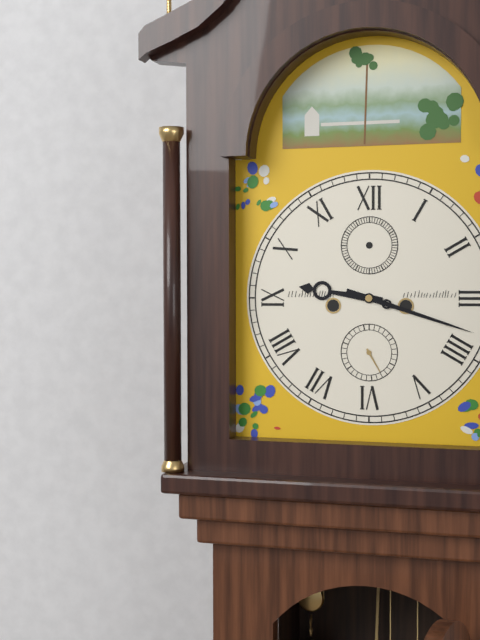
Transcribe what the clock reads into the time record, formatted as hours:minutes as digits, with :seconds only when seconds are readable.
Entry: 9:18
